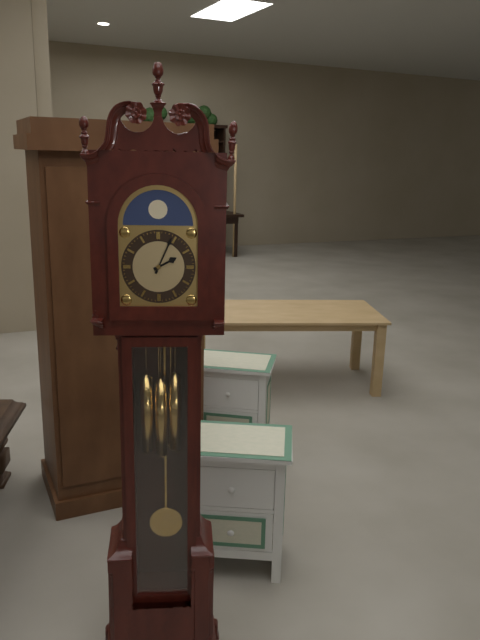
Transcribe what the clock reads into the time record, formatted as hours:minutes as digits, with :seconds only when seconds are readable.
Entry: 2:04
